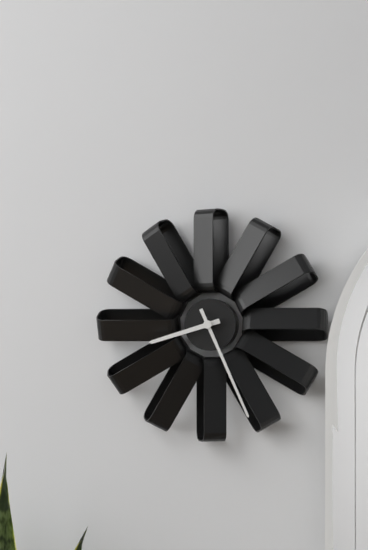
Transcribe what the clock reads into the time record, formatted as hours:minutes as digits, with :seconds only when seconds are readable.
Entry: 8:26
